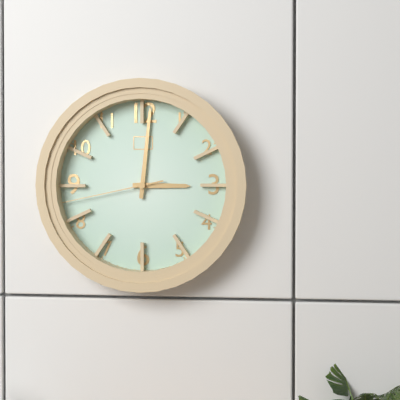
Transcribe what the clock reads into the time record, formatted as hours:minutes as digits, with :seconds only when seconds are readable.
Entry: 3:01:43
